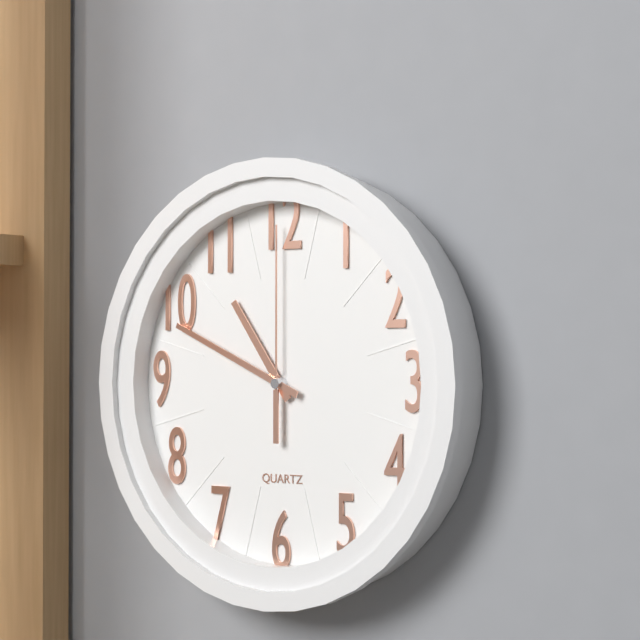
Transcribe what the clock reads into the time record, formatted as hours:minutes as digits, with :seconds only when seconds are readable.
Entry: 10:49:00
